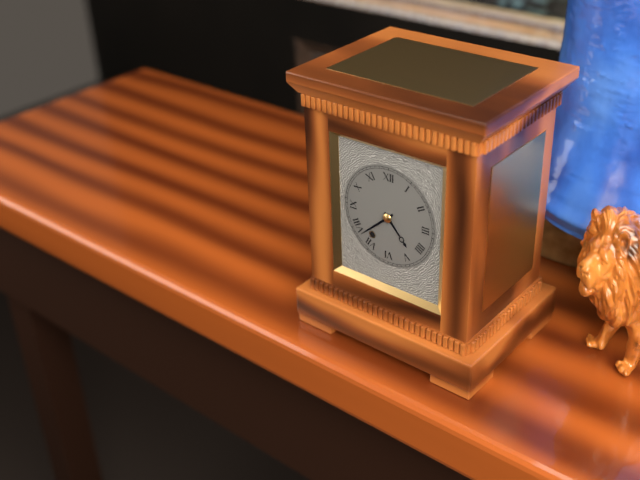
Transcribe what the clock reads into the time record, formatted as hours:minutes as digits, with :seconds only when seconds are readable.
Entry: 4:38
